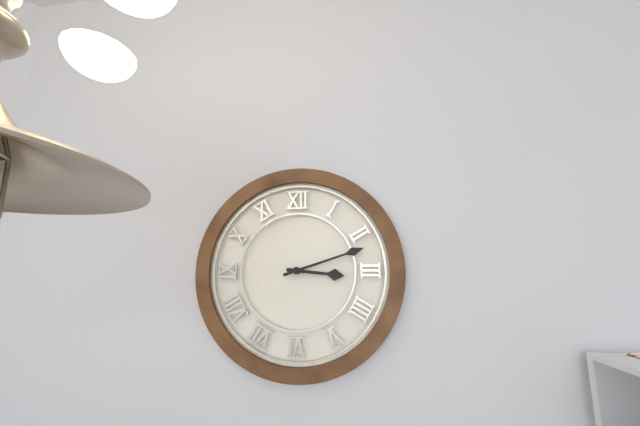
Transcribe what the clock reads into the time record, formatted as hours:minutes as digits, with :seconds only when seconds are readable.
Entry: 3:12
